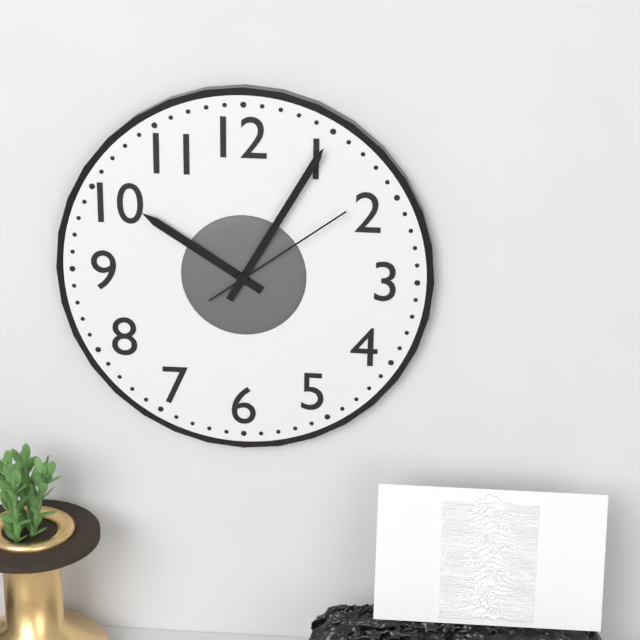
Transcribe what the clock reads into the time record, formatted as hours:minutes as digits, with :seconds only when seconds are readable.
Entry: 10:05:09
